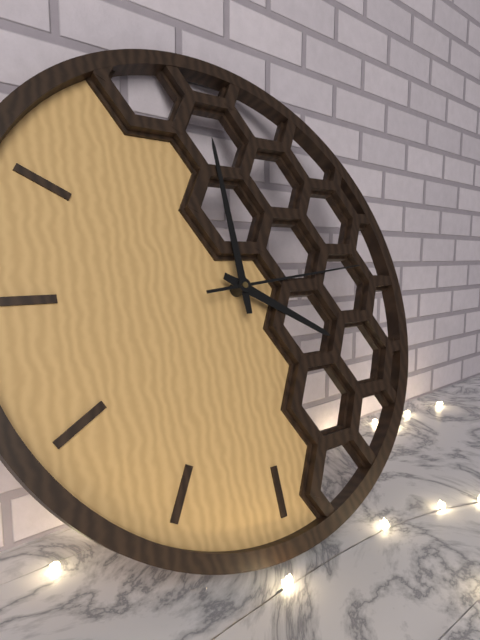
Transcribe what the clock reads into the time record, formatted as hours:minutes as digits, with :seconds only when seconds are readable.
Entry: 4:00:14
